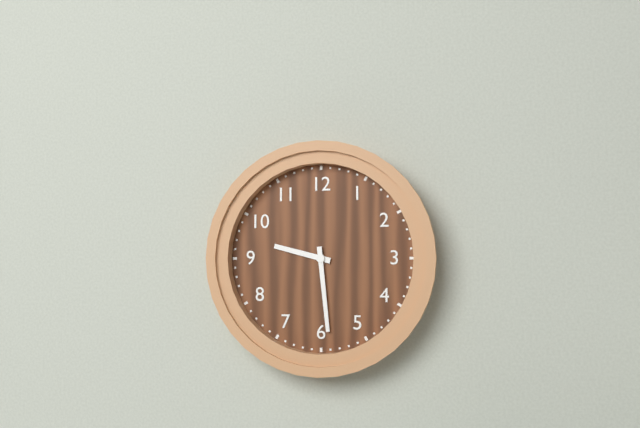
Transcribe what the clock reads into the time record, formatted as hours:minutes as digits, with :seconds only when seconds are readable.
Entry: 9:29
